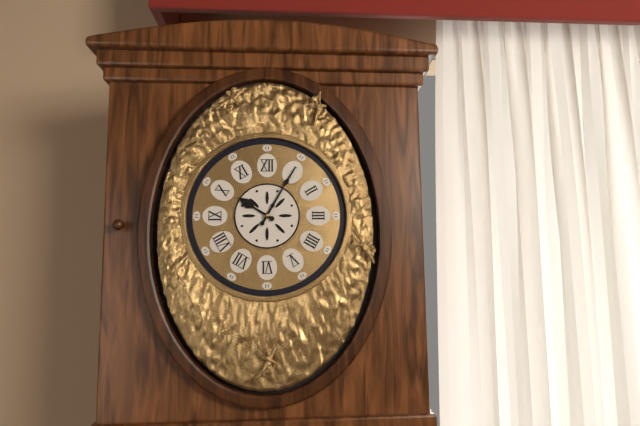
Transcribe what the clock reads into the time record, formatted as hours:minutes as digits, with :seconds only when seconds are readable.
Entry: 10:05
